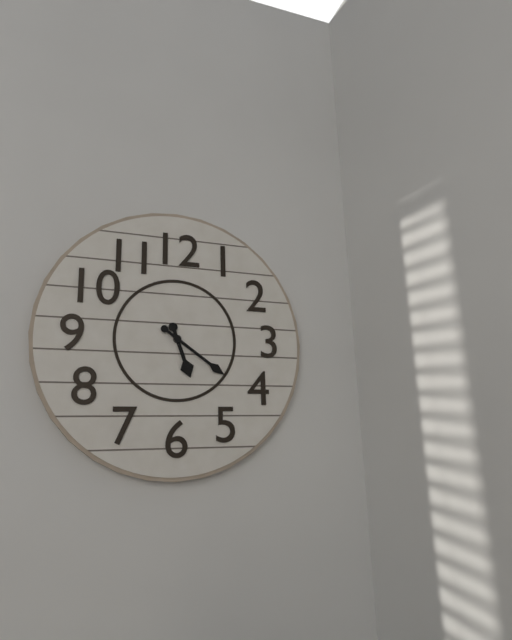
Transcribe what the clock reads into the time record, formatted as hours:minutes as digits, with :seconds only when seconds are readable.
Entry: 5:21
